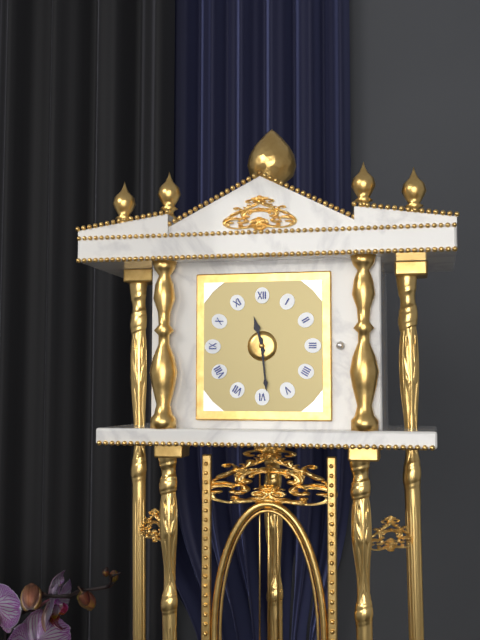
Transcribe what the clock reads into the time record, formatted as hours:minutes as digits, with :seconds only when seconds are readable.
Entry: 11:29
